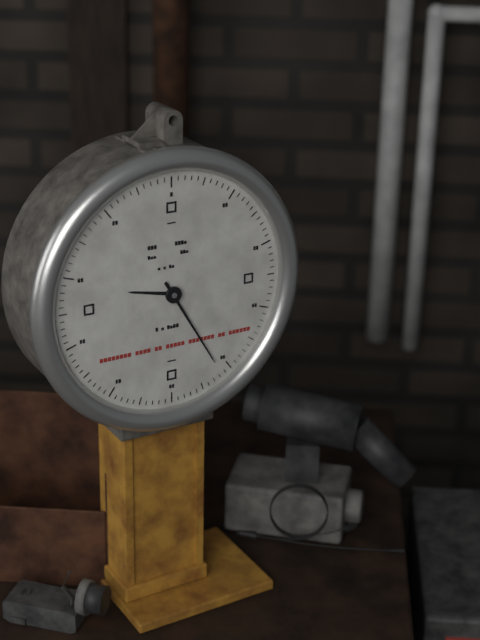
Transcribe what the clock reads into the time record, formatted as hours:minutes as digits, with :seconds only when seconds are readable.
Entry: 9:25
